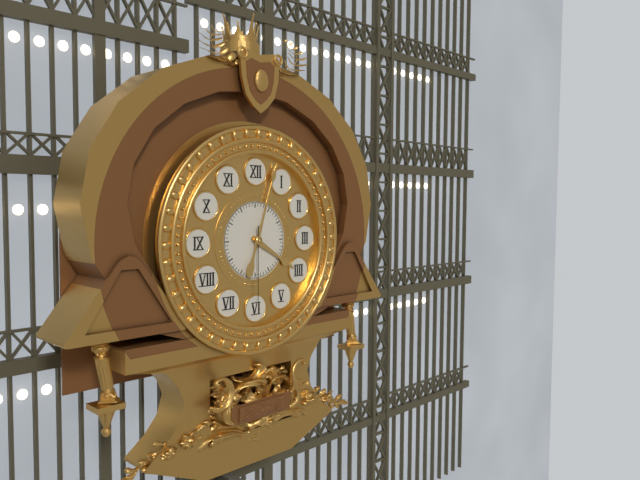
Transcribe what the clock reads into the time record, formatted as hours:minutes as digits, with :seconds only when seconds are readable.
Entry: 4:03:30
